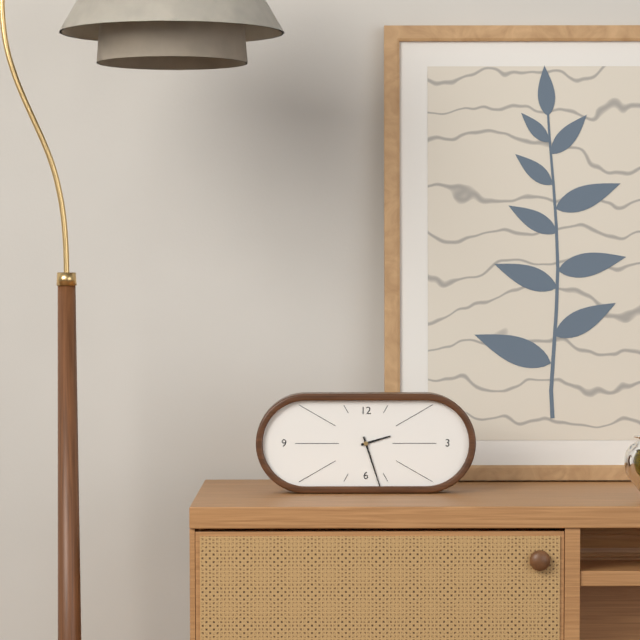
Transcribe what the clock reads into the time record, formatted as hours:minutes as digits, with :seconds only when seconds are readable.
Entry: 2:27
